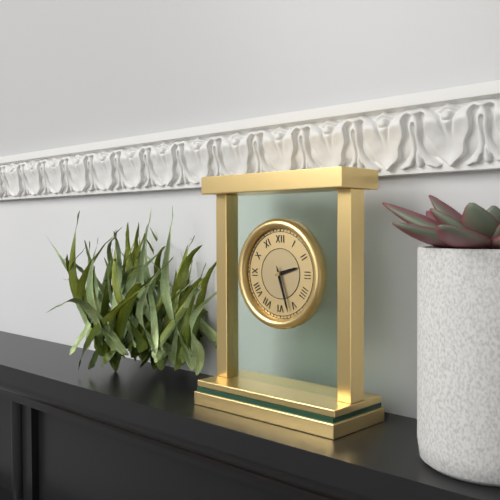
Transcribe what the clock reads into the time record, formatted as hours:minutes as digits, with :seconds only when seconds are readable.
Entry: 2:27
